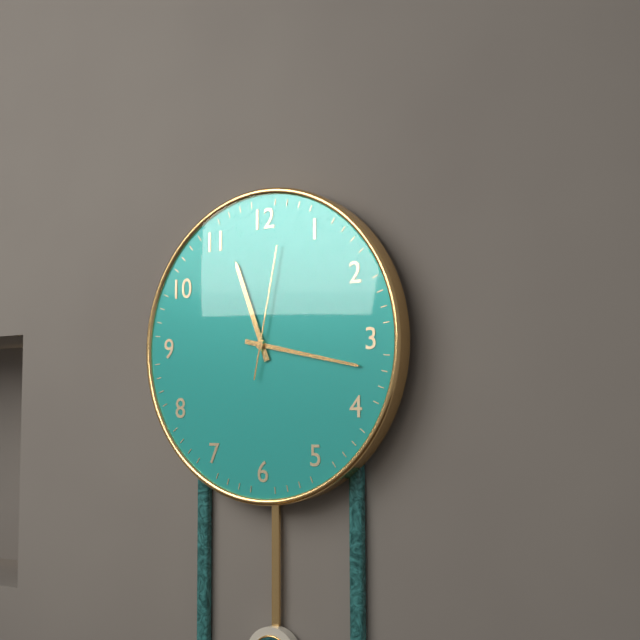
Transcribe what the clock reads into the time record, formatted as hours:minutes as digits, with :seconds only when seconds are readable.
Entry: 11:17:02
